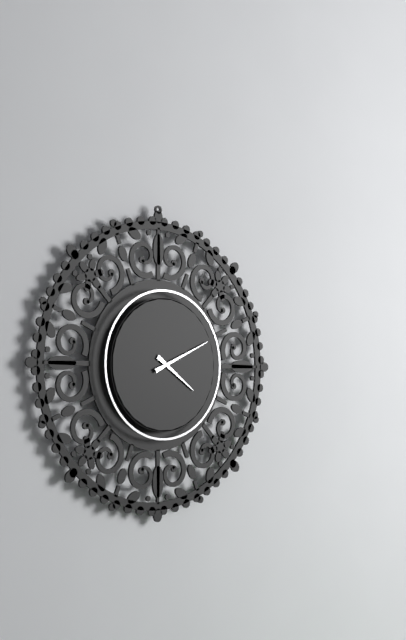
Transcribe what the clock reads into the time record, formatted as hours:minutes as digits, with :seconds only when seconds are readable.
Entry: 4:11
